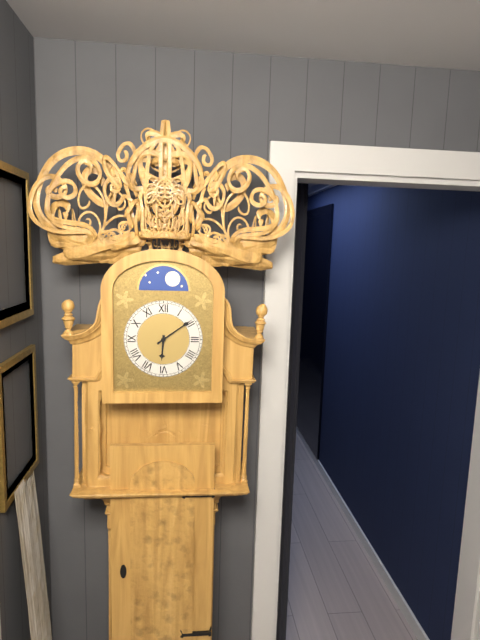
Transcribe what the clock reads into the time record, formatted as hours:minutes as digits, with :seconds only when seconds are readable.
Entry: 6:09
